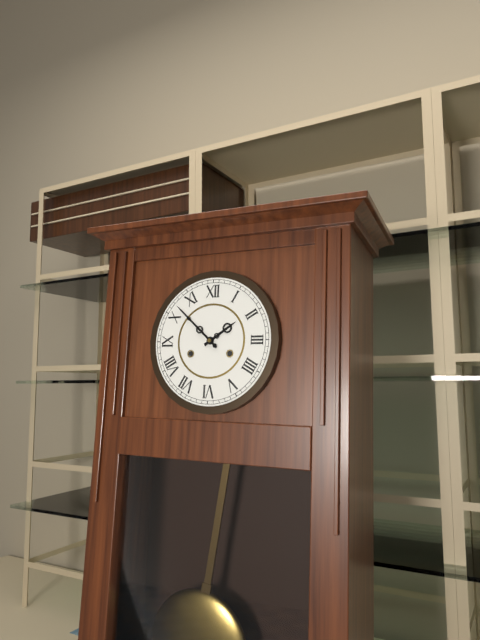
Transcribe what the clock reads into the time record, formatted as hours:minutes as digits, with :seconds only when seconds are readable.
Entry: 1:52
